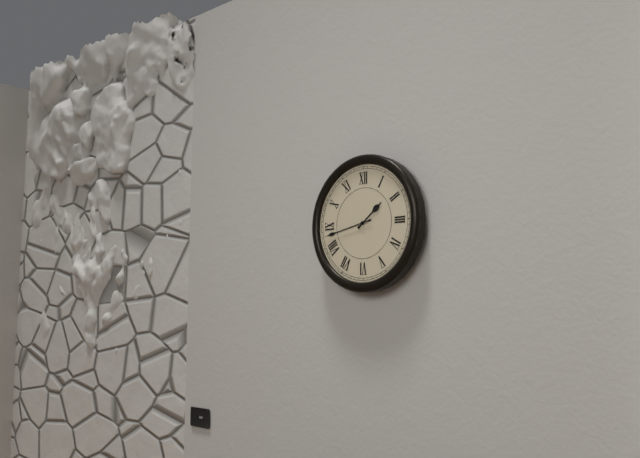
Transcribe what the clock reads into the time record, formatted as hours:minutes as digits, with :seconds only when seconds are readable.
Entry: 1:43
